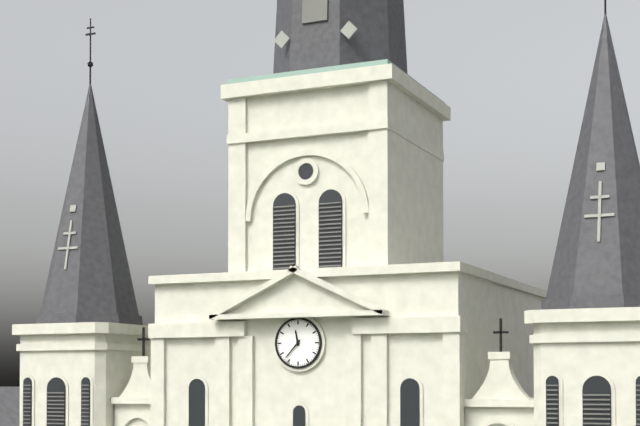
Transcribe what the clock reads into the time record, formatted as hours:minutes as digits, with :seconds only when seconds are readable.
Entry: 11:37
